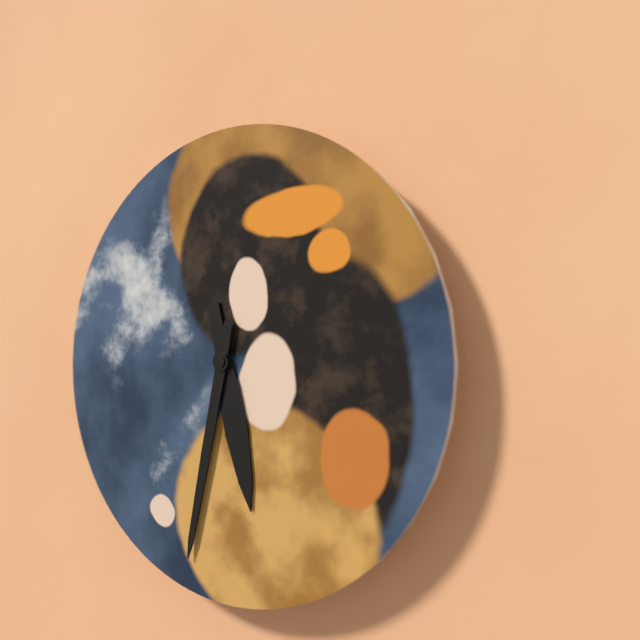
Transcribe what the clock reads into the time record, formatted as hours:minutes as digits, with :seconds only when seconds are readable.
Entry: 5:32
